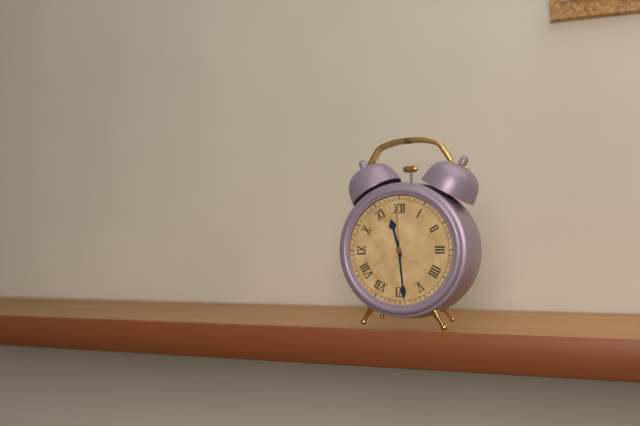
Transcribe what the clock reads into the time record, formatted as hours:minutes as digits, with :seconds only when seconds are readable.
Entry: 11:29
